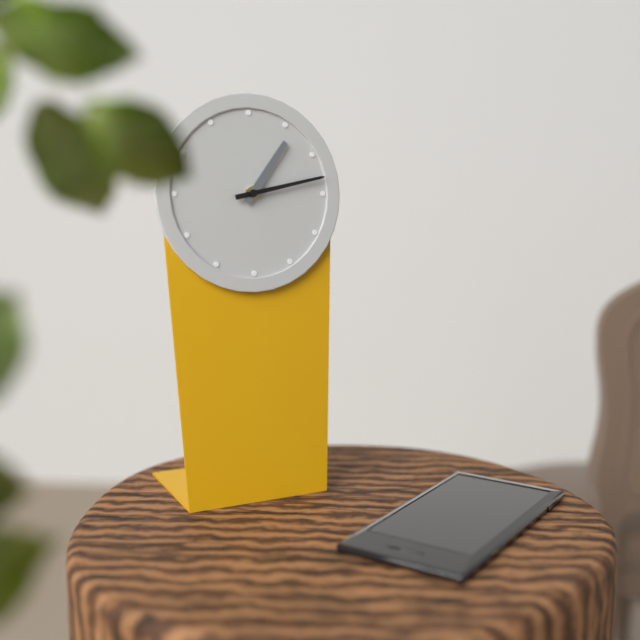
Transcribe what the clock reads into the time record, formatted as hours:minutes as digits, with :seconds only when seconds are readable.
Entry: 1:13
